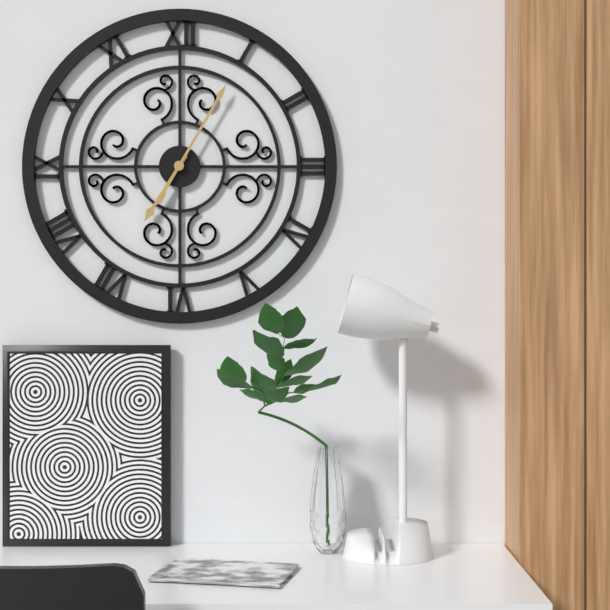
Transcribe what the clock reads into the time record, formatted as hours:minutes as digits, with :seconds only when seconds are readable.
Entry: 7:05
